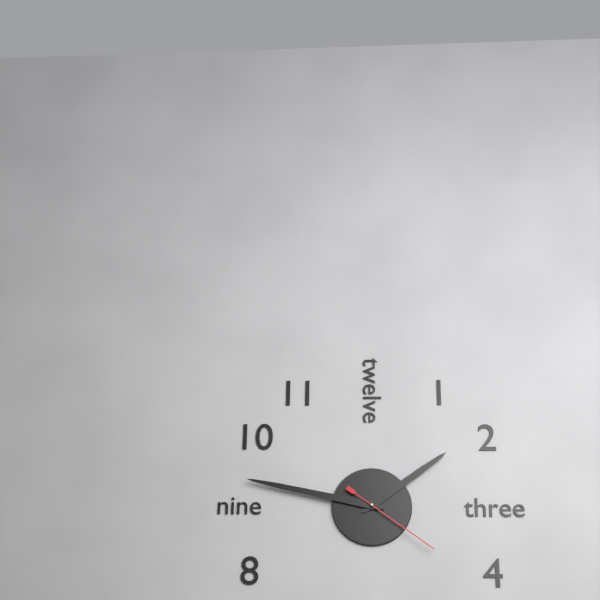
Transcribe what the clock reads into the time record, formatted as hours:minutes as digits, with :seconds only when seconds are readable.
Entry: 1:47:21
